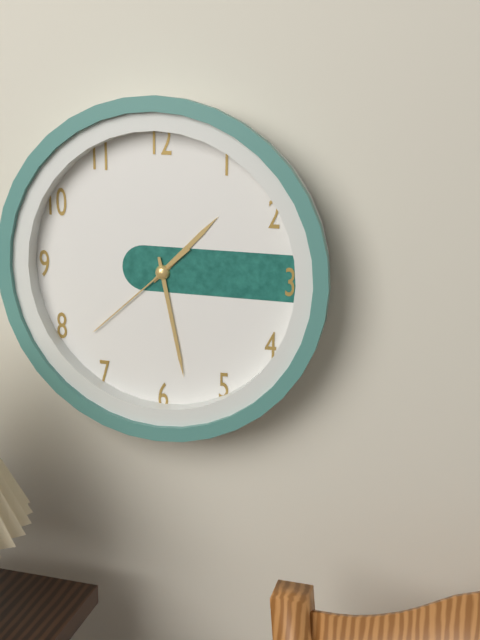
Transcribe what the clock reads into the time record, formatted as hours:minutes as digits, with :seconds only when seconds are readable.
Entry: 1:28:38
